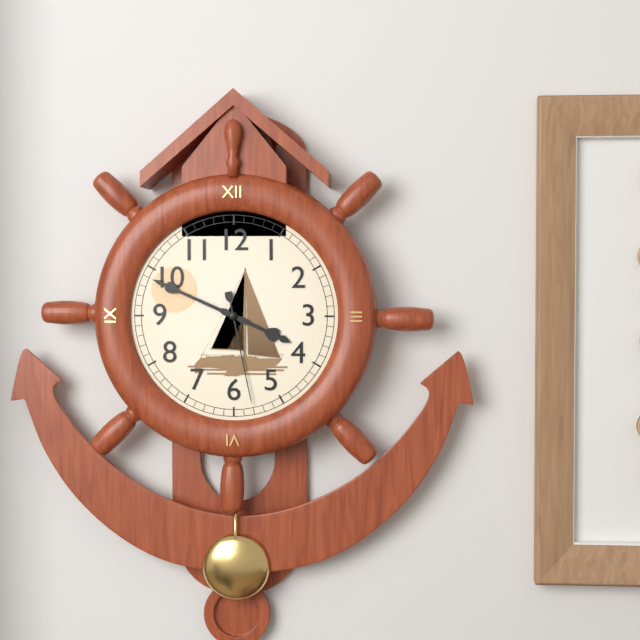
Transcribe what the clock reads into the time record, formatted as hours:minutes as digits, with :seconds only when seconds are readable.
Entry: 3:49:28
